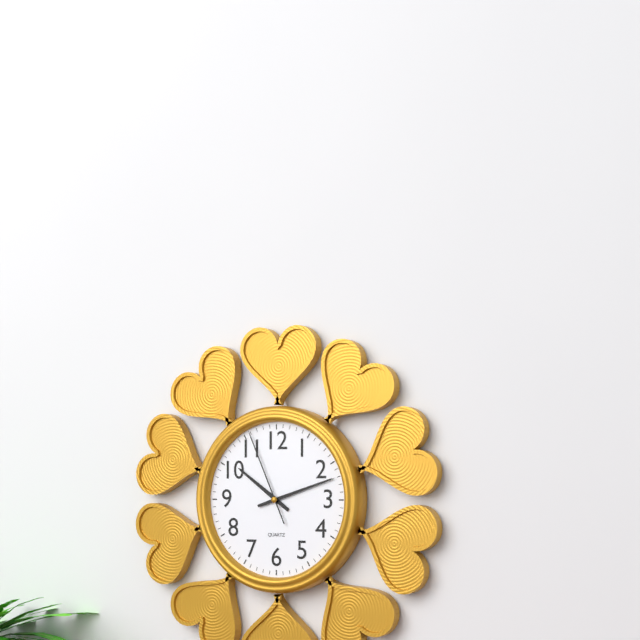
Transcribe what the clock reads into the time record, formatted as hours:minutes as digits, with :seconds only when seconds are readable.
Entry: 10:12:56
